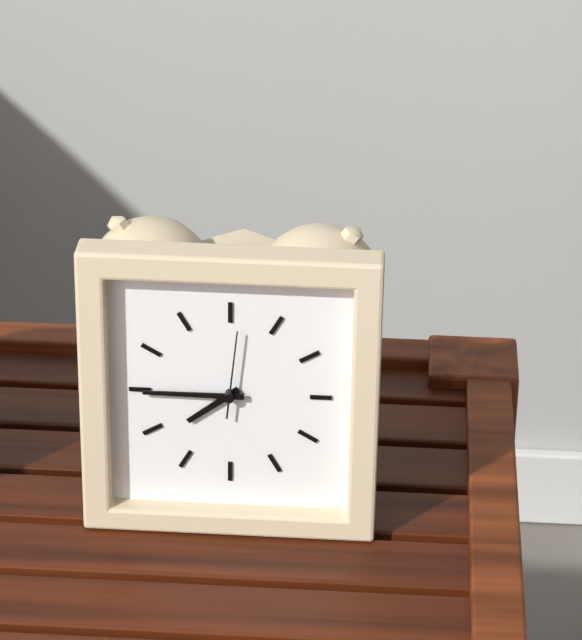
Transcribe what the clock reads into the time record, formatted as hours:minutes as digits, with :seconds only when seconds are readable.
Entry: 7:45:01
